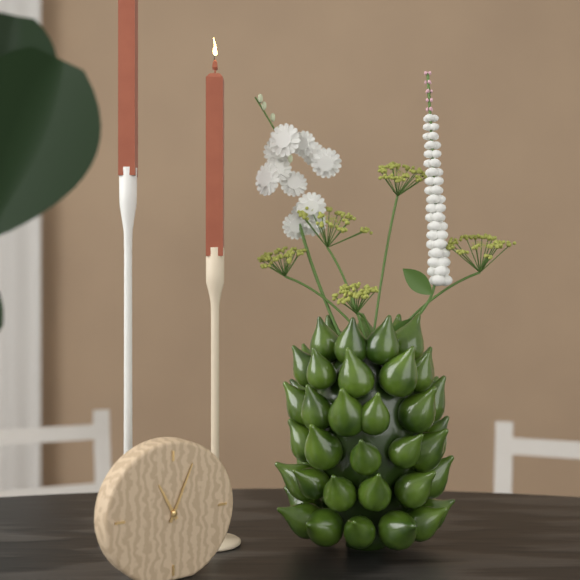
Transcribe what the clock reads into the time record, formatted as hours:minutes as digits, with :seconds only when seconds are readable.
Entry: 11:04
